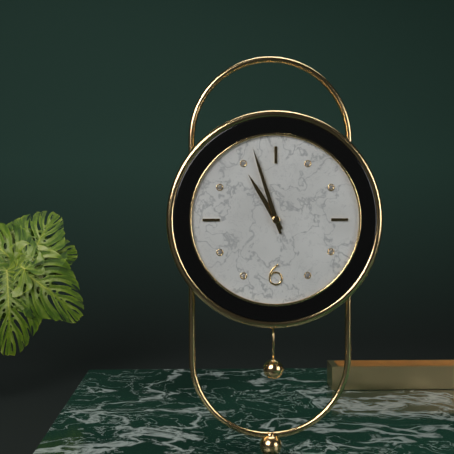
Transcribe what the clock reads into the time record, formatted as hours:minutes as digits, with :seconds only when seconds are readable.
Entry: 10:57
